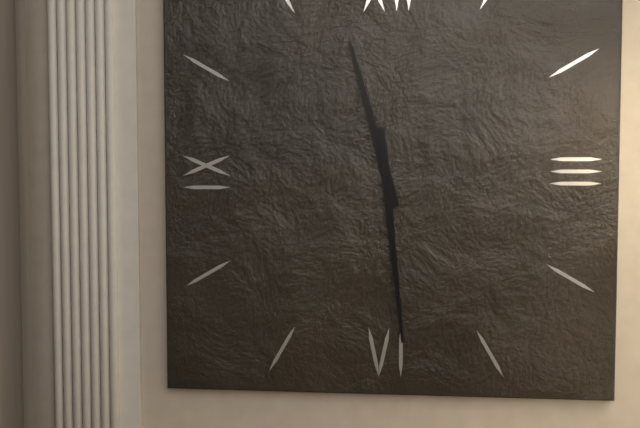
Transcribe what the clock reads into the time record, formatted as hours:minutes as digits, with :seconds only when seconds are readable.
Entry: 11:29
